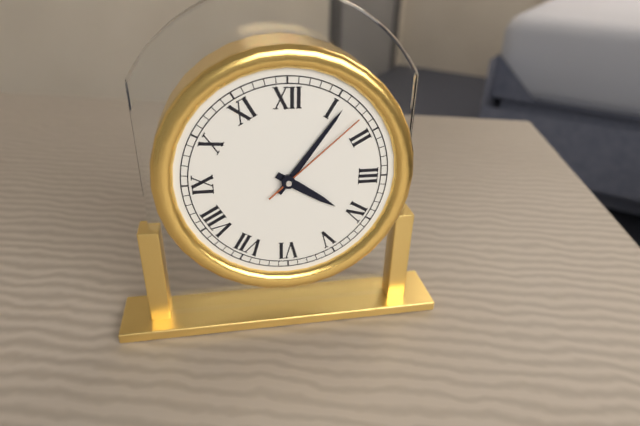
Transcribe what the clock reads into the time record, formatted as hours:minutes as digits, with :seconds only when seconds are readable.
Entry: 4:06:08
